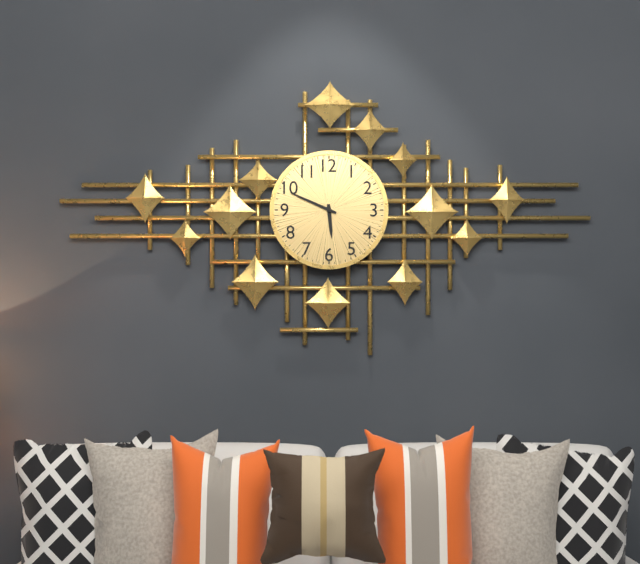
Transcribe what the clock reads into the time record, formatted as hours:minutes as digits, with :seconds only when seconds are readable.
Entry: 5:49
